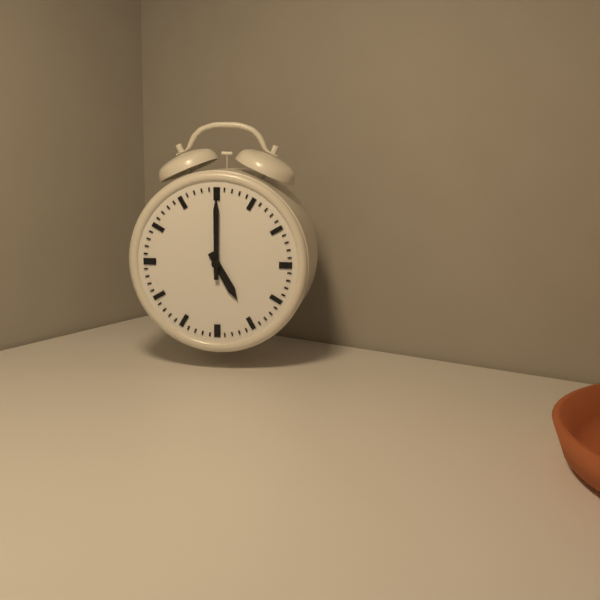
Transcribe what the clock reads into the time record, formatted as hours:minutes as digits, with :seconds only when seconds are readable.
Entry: 5:00
